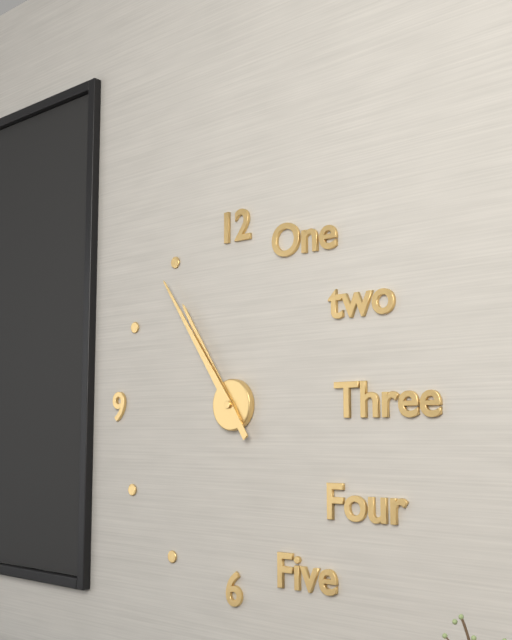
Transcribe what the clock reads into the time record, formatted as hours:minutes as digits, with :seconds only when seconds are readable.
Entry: 10:54
